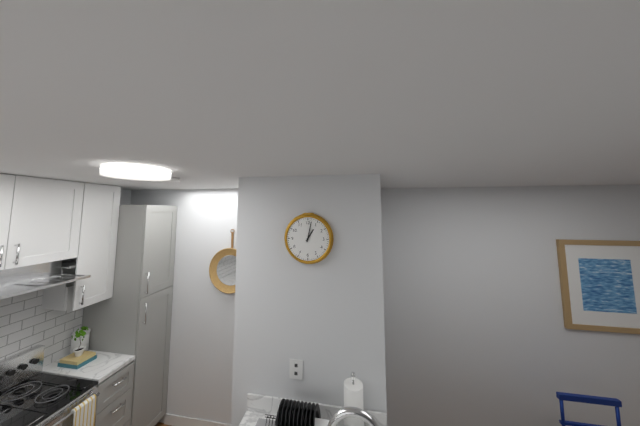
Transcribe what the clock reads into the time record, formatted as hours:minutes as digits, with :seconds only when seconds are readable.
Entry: 1:02
